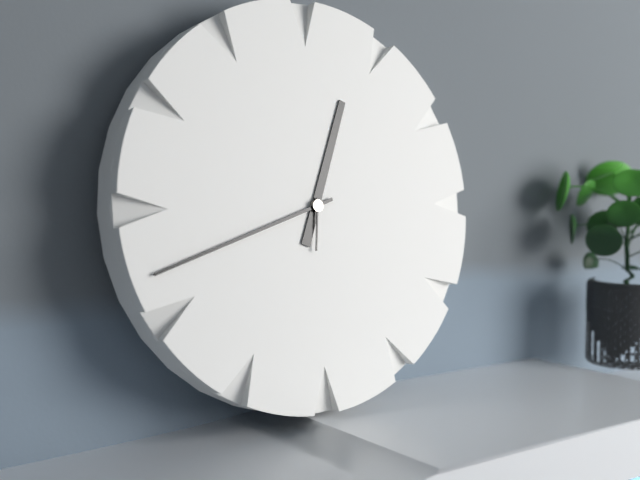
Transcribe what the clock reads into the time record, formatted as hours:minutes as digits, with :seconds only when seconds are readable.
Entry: 12:42:31
